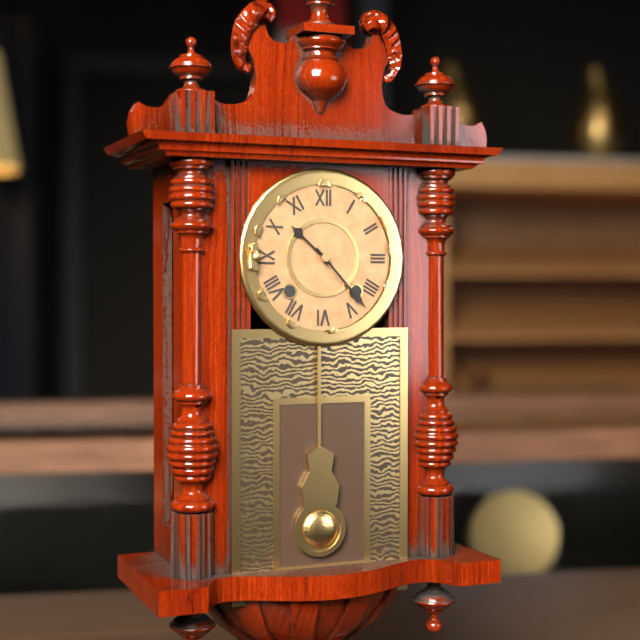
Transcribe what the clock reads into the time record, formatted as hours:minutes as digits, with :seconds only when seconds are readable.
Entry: 10:23
